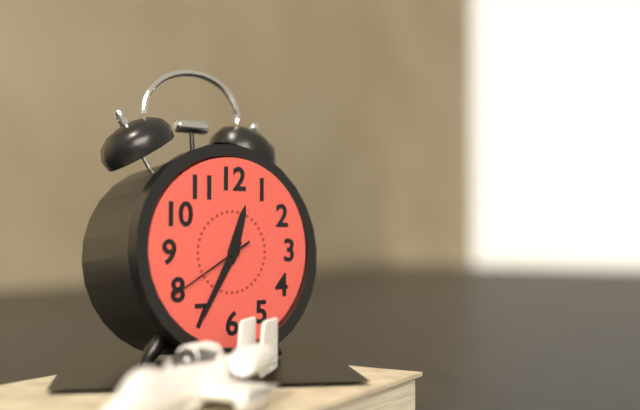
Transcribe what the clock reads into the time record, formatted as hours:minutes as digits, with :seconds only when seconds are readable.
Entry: 12:35:40
